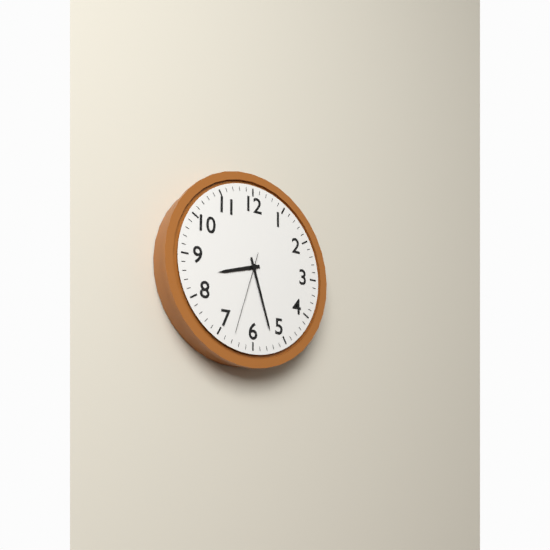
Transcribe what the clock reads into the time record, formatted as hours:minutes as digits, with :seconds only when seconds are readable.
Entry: 8:27:33
